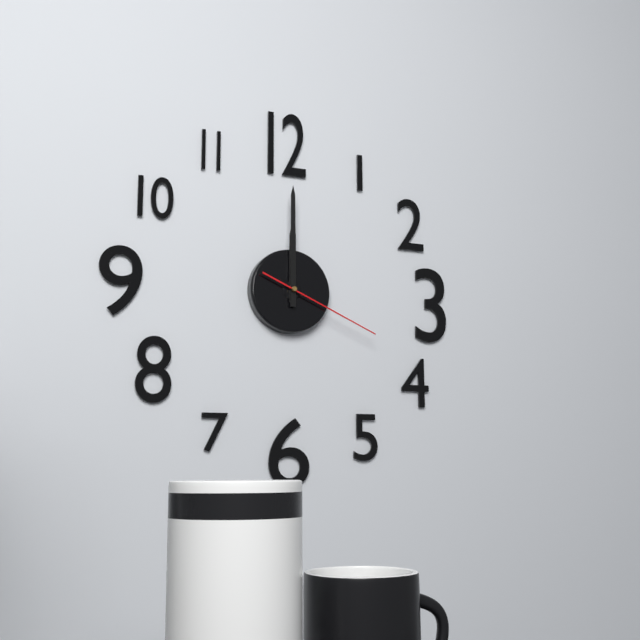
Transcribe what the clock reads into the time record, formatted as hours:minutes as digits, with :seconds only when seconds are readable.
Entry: 12:00:19
